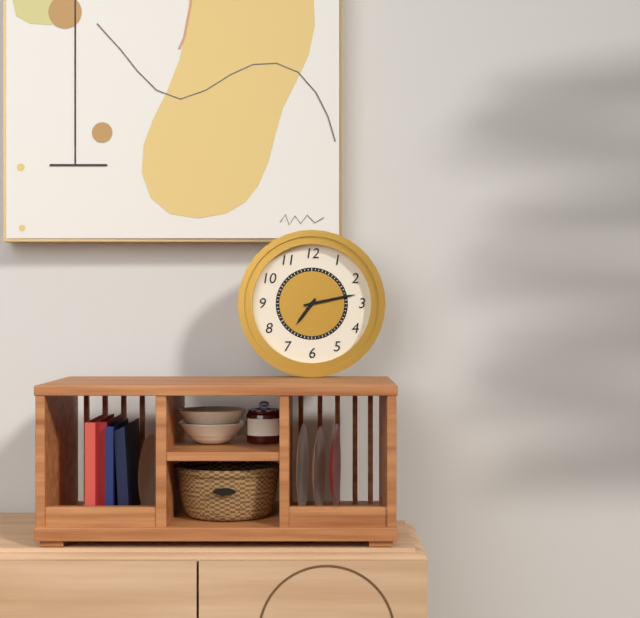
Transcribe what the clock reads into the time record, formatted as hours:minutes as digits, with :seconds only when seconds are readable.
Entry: 7:13
